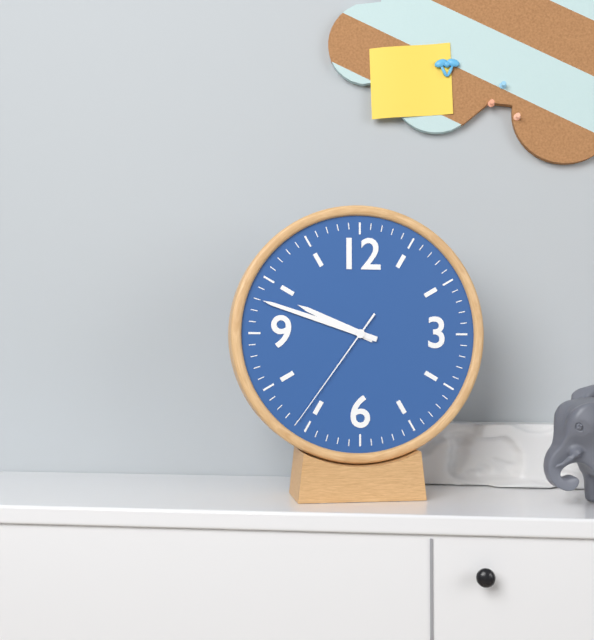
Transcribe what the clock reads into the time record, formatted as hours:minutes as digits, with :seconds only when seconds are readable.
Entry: 9:48:36
